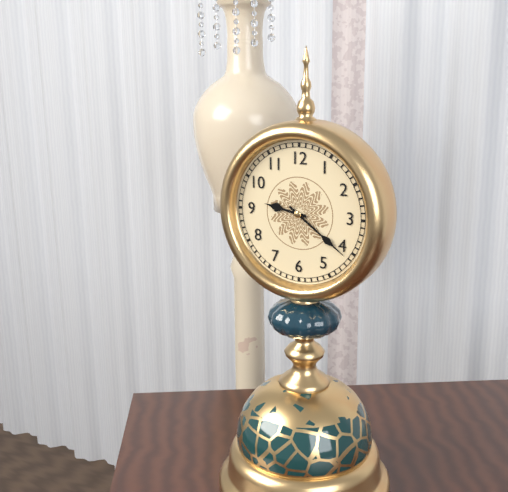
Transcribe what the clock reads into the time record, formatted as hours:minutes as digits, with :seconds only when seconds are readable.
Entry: 9:21
